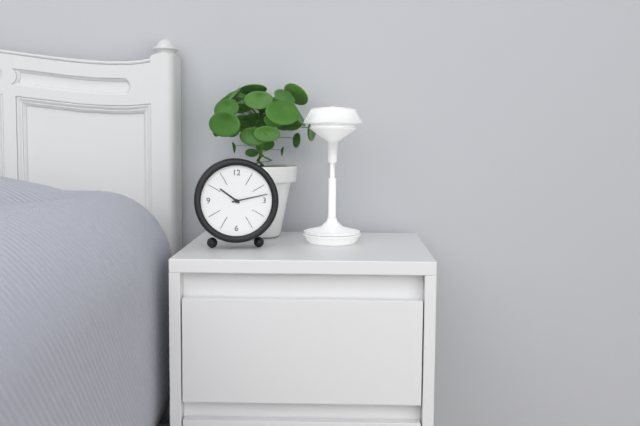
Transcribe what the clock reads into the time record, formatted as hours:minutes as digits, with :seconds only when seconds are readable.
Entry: 10:13
